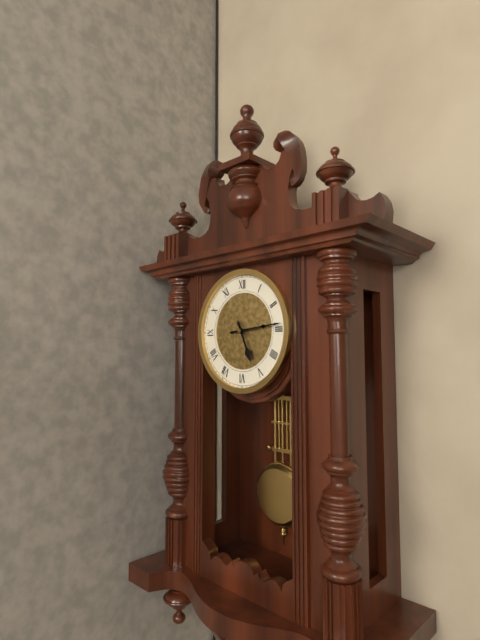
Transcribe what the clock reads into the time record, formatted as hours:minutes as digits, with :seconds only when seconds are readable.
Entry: 5:14
